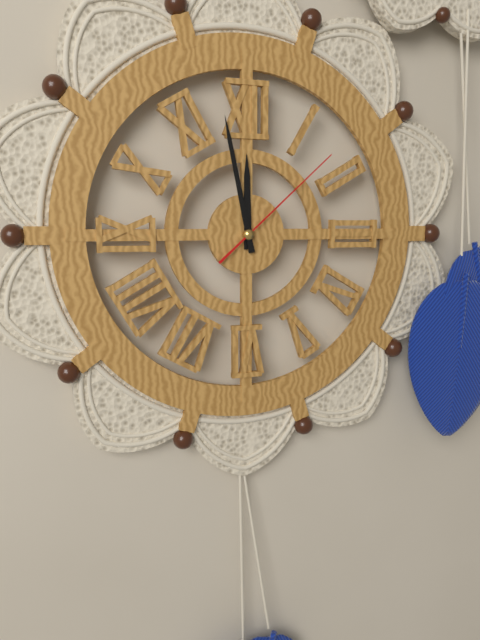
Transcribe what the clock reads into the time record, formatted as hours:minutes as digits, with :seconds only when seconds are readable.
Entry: 11:58:08
